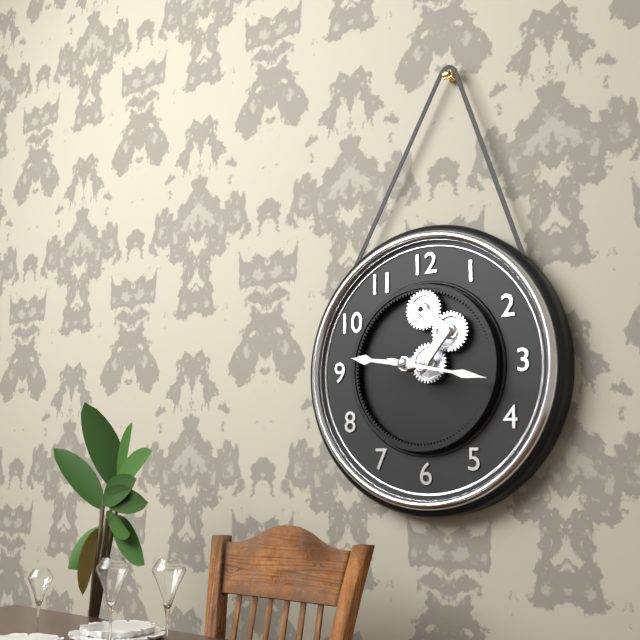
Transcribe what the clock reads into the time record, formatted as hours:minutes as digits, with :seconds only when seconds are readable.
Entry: 9:17
